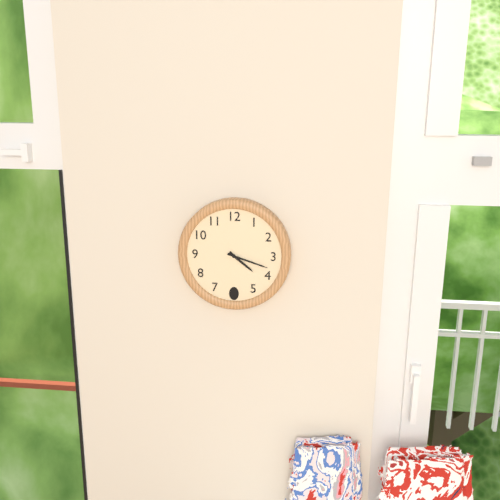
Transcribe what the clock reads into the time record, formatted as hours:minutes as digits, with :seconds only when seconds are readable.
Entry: 4:18
